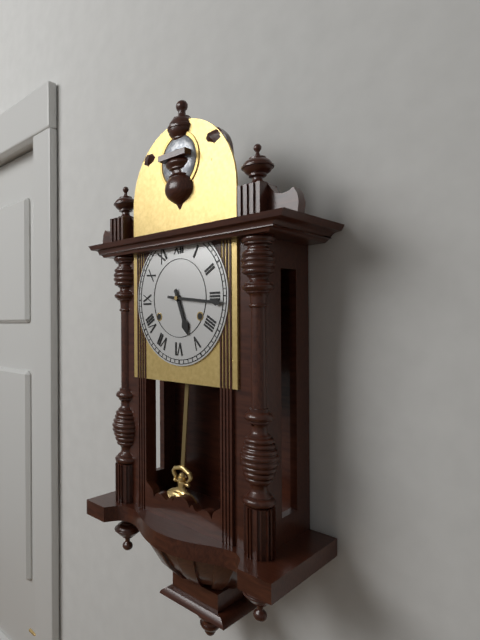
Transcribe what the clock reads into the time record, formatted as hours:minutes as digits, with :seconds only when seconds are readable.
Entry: 5:16
